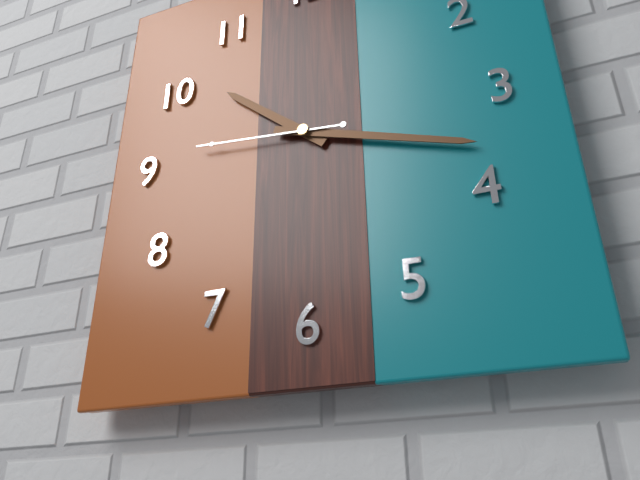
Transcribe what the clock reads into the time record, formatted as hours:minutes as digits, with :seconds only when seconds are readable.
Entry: 10:18:46
